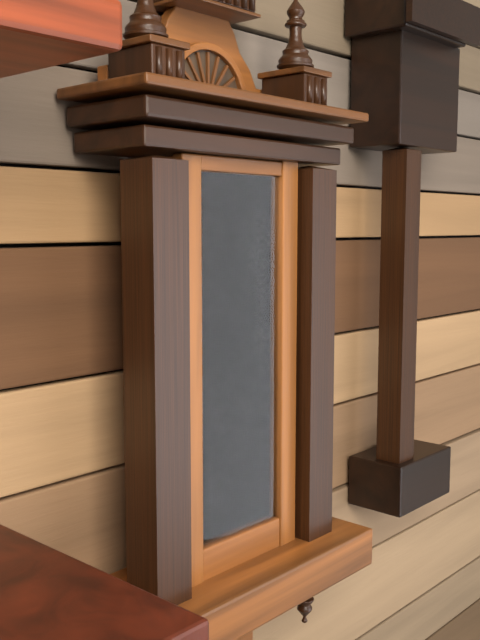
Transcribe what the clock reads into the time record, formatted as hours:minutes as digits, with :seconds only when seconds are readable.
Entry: 8:00
